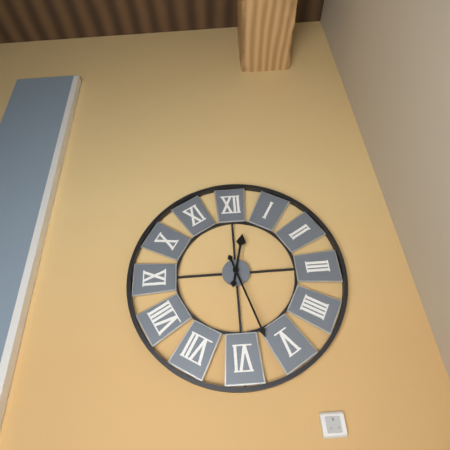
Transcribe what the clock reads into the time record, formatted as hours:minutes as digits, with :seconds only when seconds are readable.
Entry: 12:27
